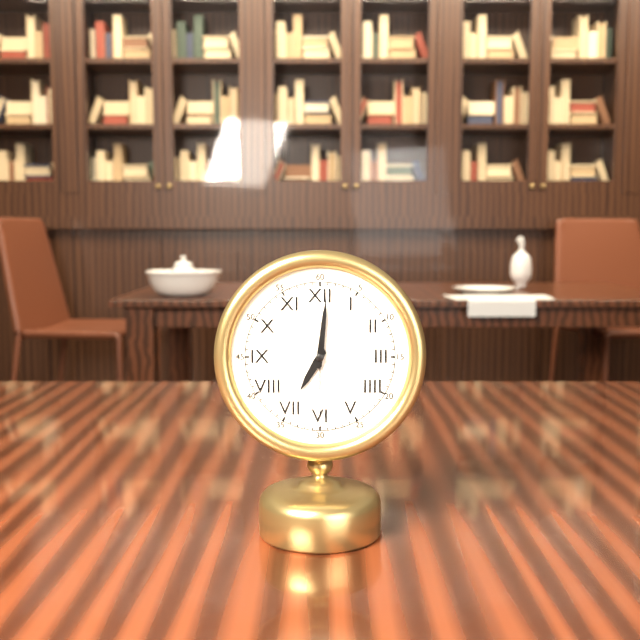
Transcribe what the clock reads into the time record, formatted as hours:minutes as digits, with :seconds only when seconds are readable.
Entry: 7:01:30
